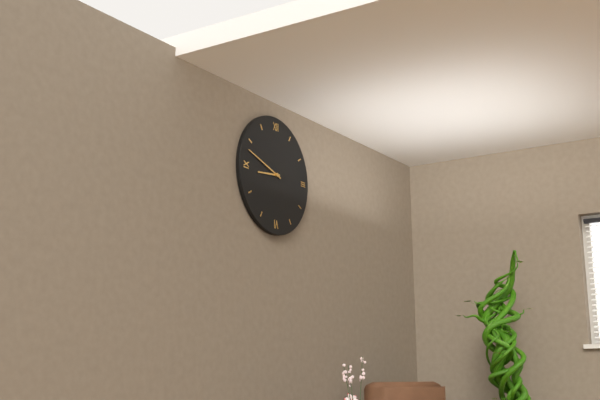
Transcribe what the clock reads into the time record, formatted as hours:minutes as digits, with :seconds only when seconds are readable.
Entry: 8:48
